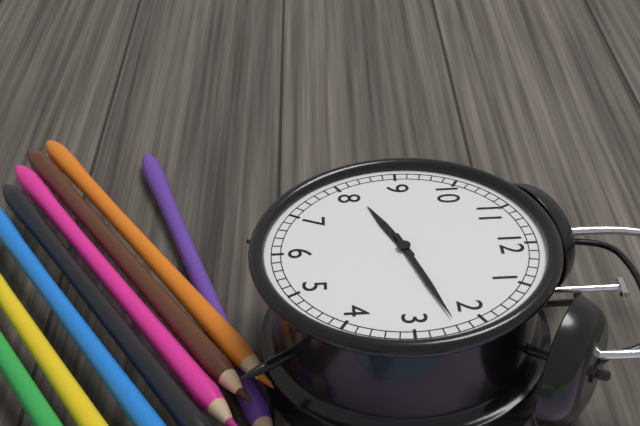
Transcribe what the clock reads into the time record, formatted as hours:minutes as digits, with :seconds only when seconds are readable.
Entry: 8:12
